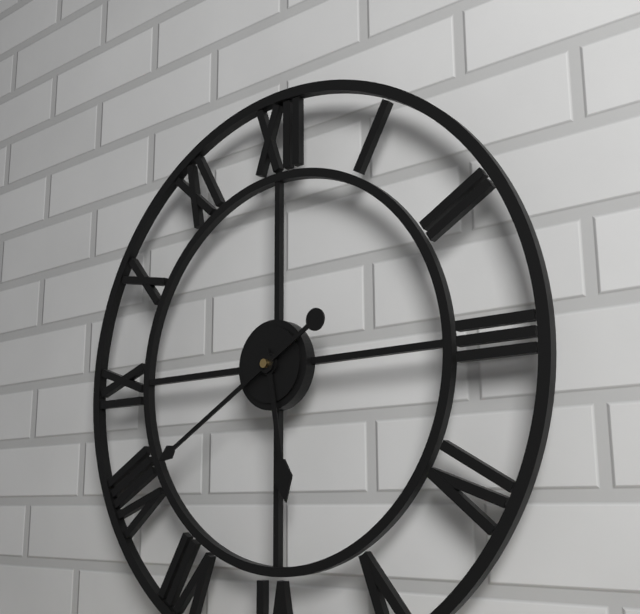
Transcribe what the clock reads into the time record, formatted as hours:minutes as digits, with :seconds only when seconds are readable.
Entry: 5:40
